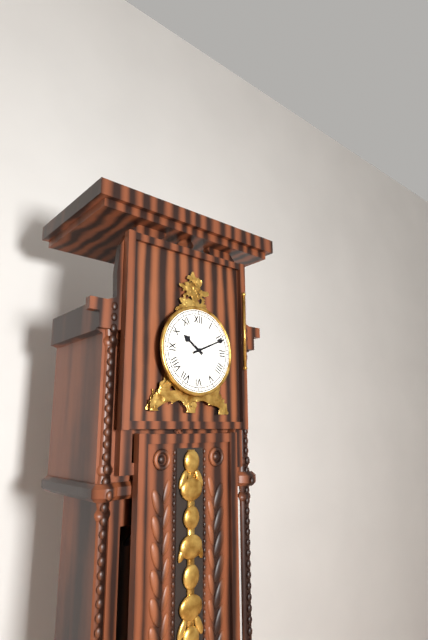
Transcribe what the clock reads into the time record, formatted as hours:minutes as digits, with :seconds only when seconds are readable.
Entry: 10:11
